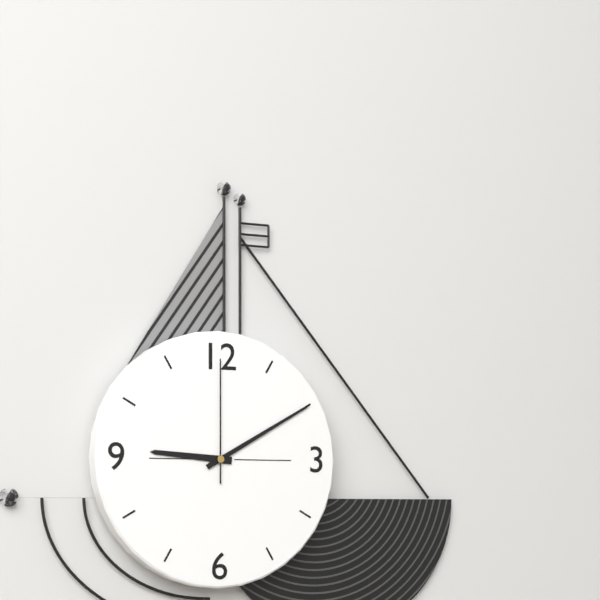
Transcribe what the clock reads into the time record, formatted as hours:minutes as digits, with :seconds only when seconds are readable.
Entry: 9:10:00
